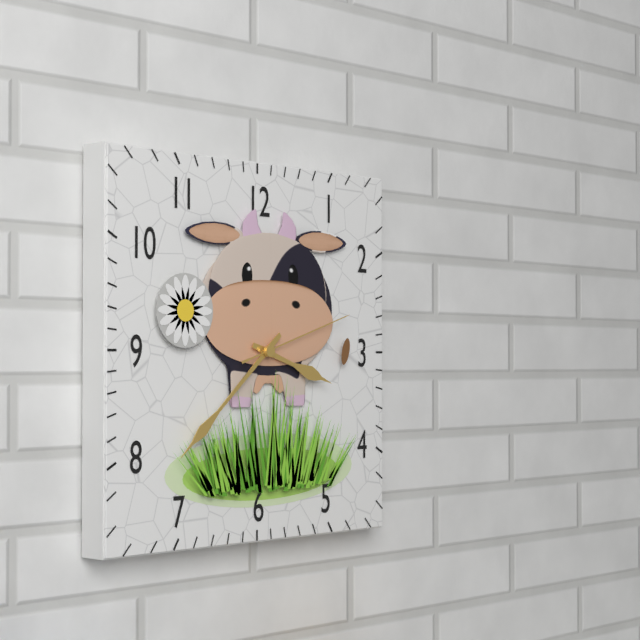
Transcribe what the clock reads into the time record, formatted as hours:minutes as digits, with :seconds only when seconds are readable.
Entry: 3:38:12
